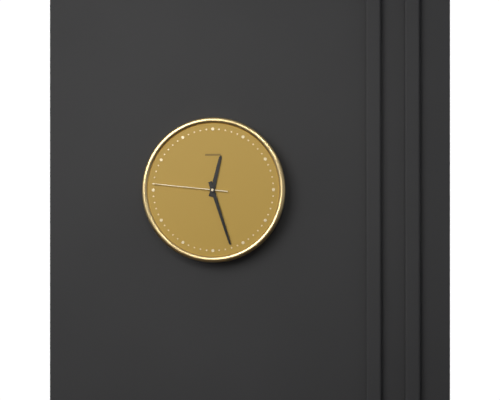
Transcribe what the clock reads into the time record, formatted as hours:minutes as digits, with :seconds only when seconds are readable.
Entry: 12:27:46
